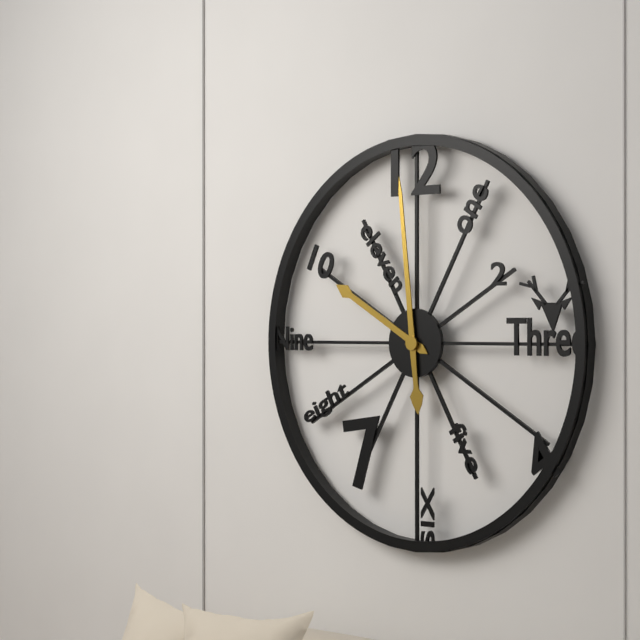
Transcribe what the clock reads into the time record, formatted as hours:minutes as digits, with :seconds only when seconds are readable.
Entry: 9:59
